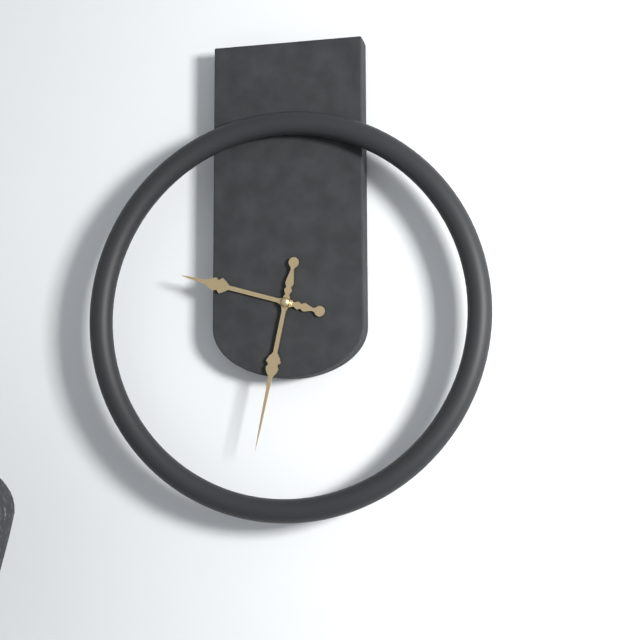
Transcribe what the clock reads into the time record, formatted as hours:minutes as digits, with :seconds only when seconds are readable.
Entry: 9:32
